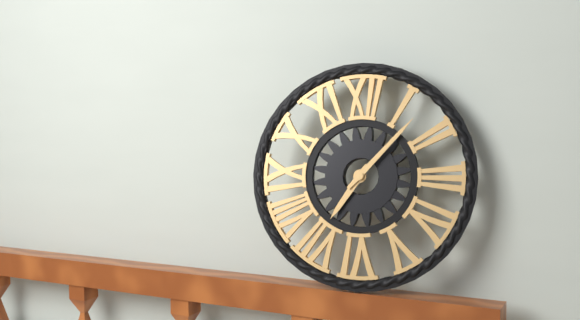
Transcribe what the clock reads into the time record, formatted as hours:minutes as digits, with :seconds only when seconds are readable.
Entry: 7:07
